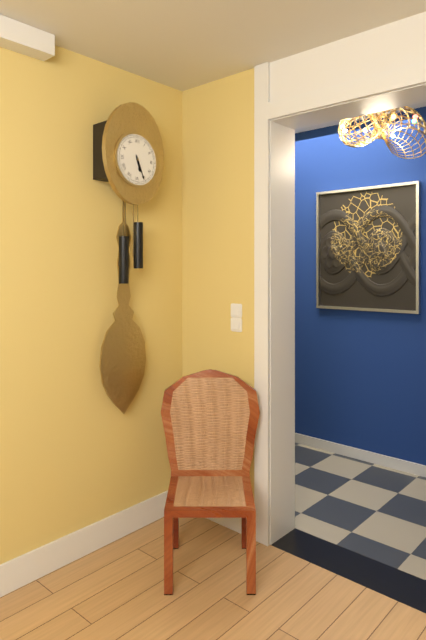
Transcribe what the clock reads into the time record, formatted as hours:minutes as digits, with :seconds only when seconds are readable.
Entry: 5:26
